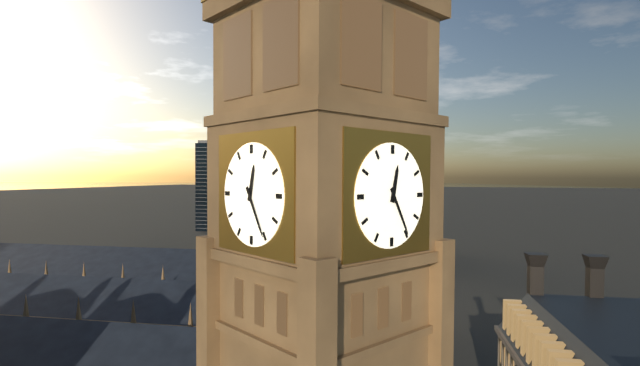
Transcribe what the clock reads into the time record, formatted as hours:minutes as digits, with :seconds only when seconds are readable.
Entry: 12:25
